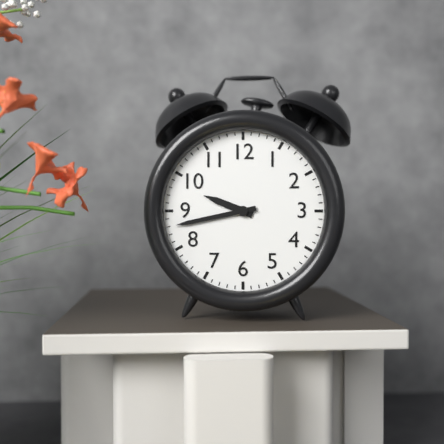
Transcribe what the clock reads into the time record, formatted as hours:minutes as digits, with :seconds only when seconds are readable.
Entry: 9:43
